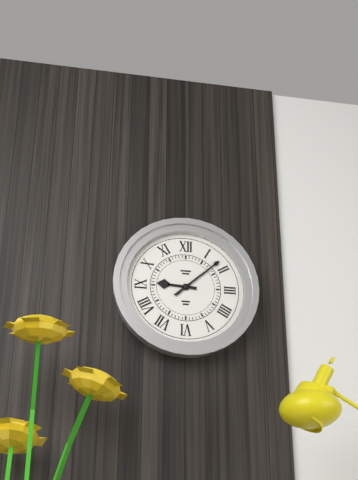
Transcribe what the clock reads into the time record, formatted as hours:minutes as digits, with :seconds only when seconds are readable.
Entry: 9:08
